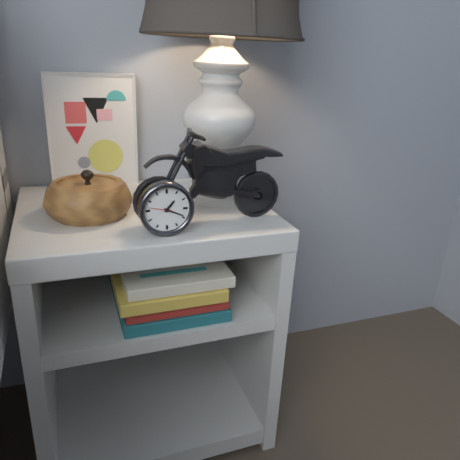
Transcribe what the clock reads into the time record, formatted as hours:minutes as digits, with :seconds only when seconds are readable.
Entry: 1:19
